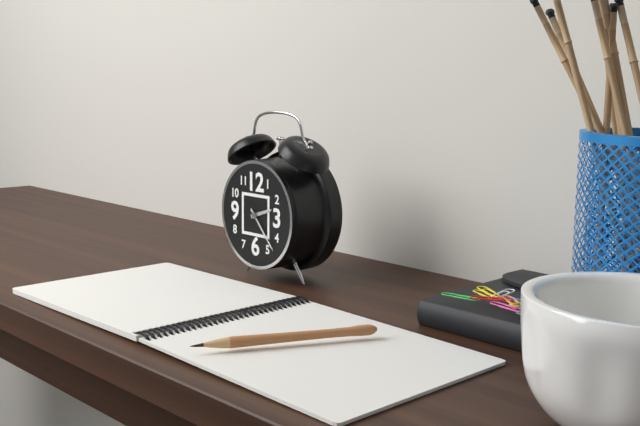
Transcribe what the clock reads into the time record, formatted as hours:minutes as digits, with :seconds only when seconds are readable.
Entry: 2:23
